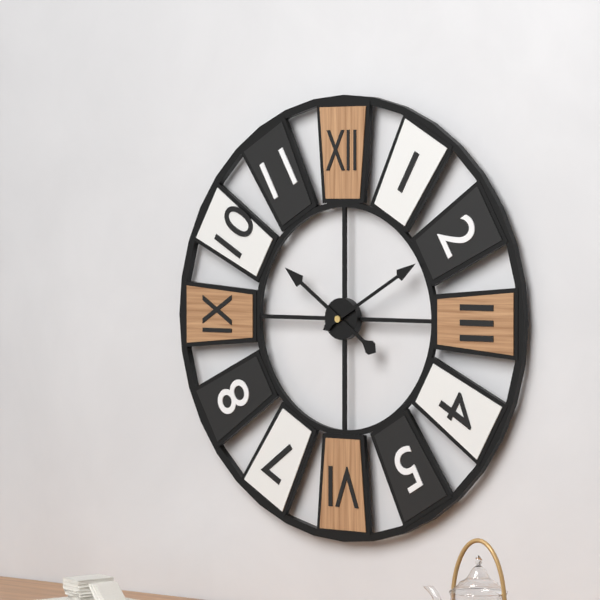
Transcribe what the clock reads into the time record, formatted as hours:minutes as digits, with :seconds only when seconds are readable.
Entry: 10:10
